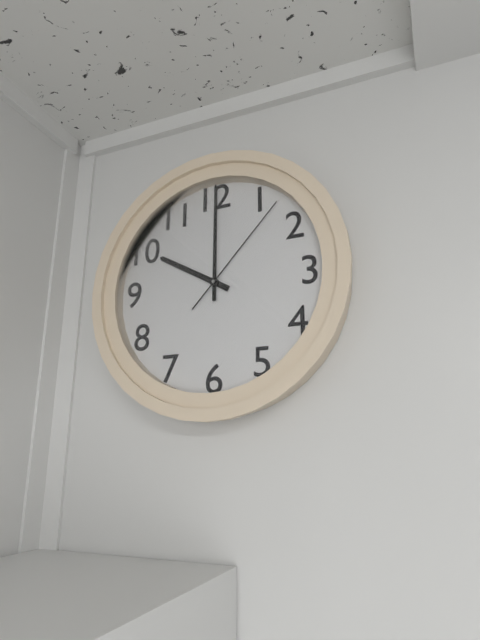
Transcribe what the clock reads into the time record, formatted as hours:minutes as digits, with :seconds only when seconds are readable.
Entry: 10:00:07
